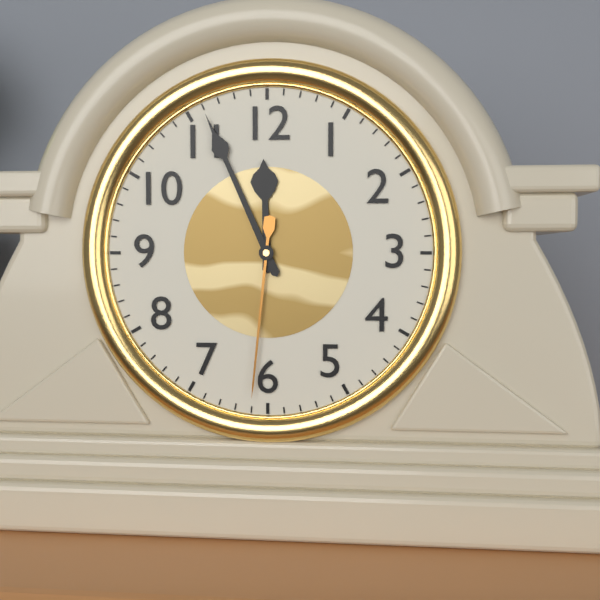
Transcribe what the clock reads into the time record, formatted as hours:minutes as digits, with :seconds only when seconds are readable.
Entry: 11:56:31
